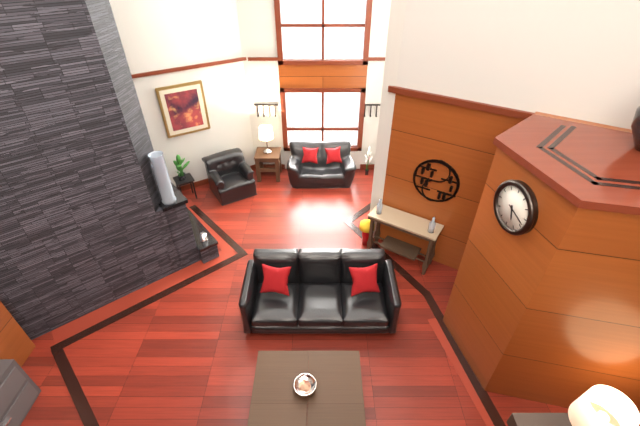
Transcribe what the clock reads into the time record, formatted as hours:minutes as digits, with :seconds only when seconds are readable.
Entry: 5:18
